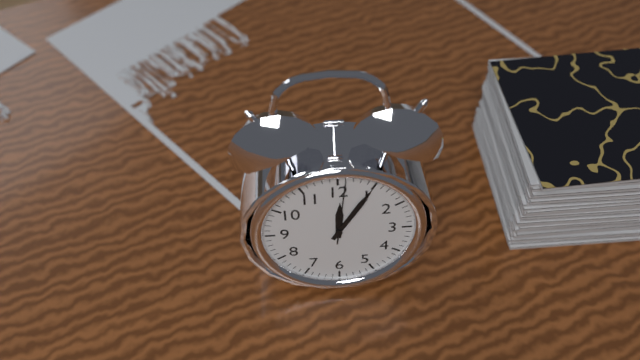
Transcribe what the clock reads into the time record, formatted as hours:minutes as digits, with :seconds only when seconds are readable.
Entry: 12:05:01
